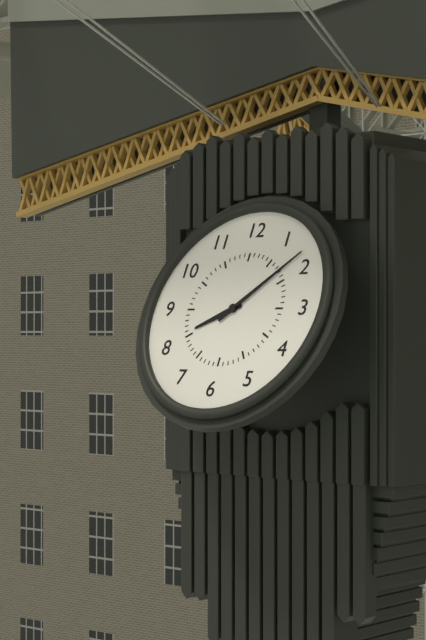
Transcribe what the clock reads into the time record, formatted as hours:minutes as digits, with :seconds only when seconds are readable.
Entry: 8:08
